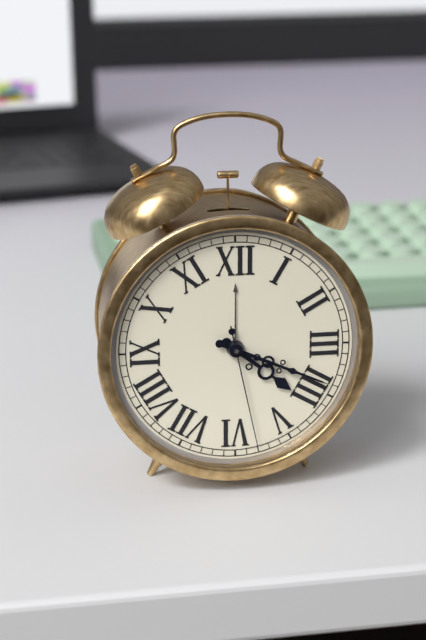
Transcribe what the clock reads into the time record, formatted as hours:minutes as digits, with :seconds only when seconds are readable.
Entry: 4:19:28
